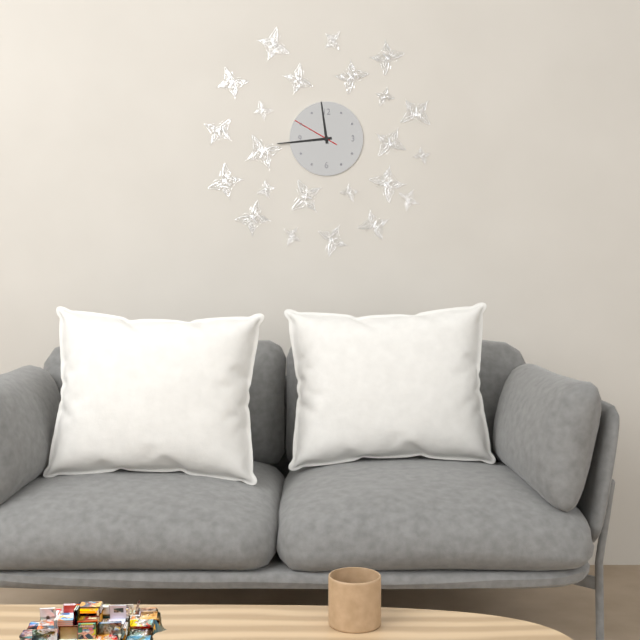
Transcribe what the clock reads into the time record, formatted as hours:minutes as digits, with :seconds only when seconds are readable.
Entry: 11:44
